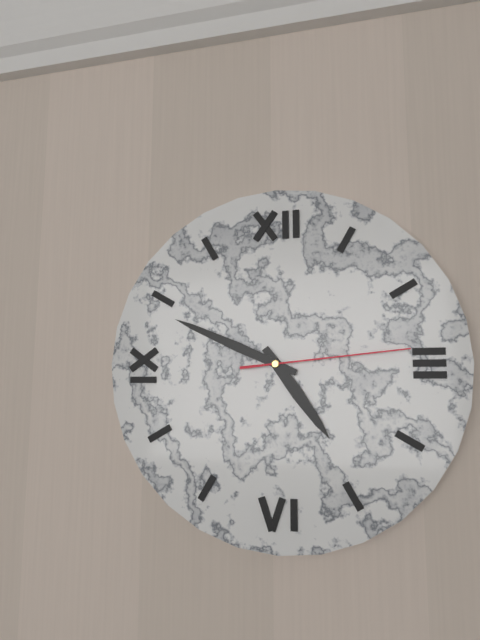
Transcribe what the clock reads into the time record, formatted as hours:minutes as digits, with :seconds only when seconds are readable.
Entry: 4:49:14
